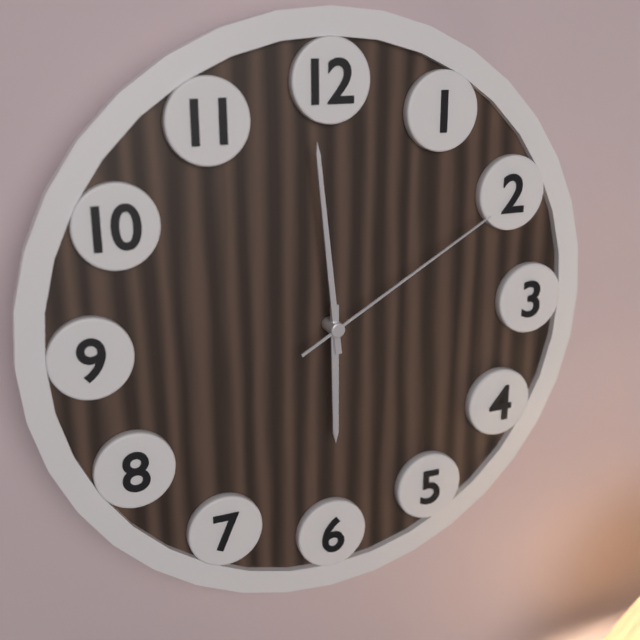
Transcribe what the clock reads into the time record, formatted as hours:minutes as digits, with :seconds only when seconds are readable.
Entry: 5:59:10
